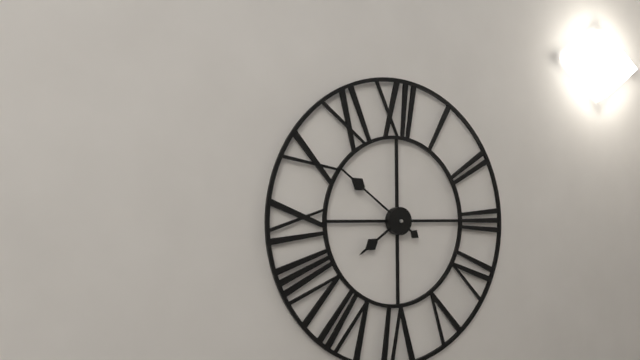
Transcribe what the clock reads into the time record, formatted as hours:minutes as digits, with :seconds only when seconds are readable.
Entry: 7:51
